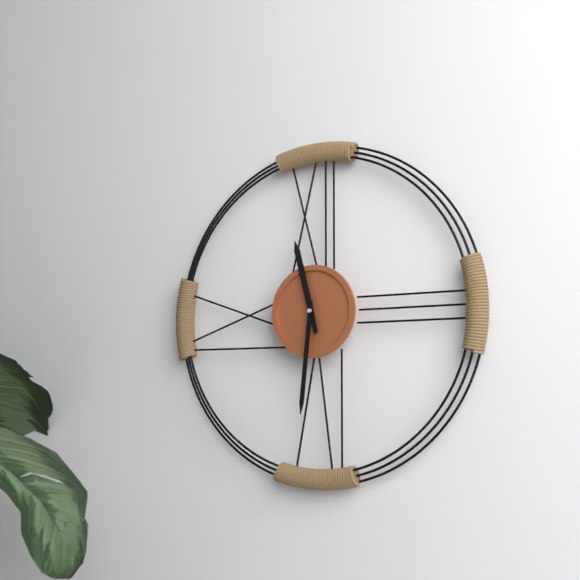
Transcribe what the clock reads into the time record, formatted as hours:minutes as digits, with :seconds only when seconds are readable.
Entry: 11:31
